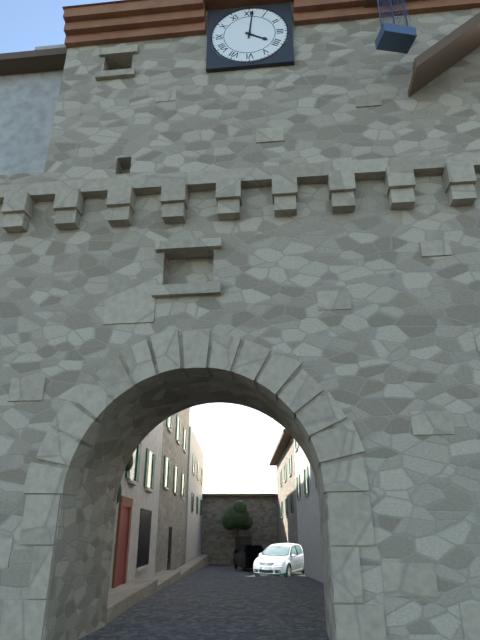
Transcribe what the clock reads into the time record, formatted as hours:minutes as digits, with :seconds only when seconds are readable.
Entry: 4:01
